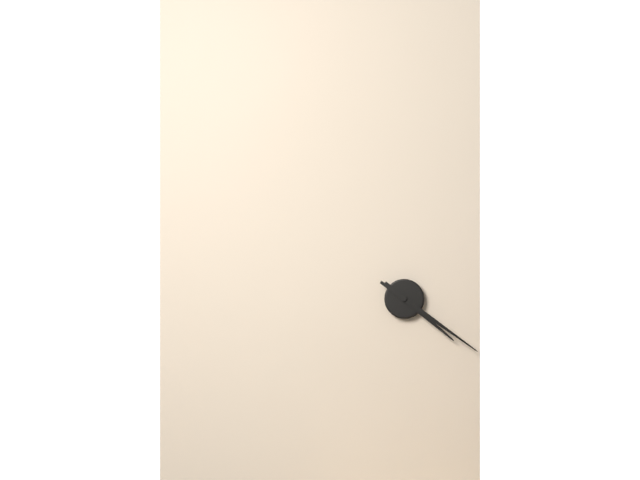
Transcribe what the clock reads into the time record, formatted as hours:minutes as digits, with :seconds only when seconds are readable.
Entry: 4:21
